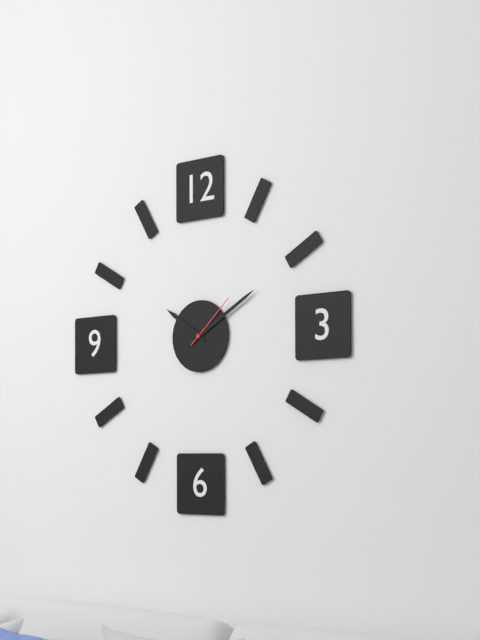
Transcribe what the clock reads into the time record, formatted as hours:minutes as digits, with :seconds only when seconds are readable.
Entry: 10:10:08
